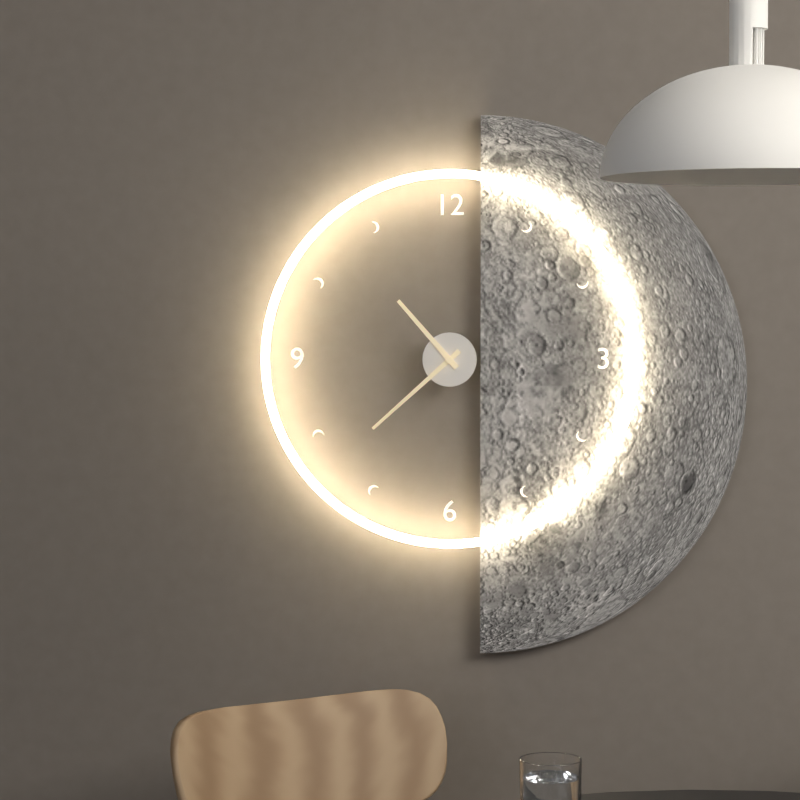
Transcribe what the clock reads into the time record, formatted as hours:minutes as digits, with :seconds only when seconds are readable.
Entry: 10:38
